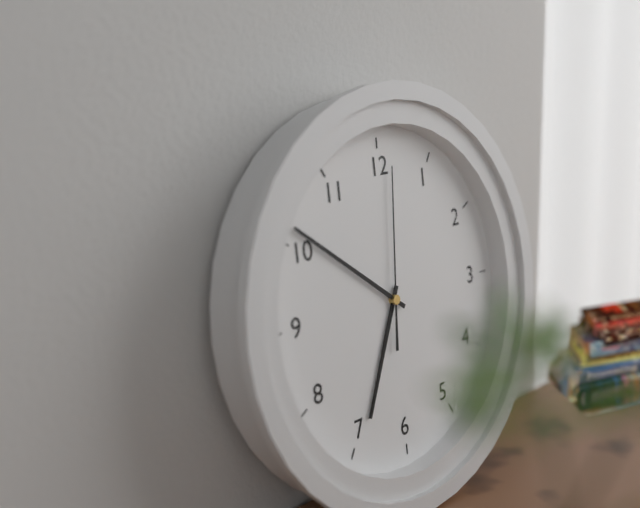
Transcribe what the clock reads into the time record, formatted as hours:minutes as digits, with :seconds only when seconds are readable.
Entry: 6:51:01
